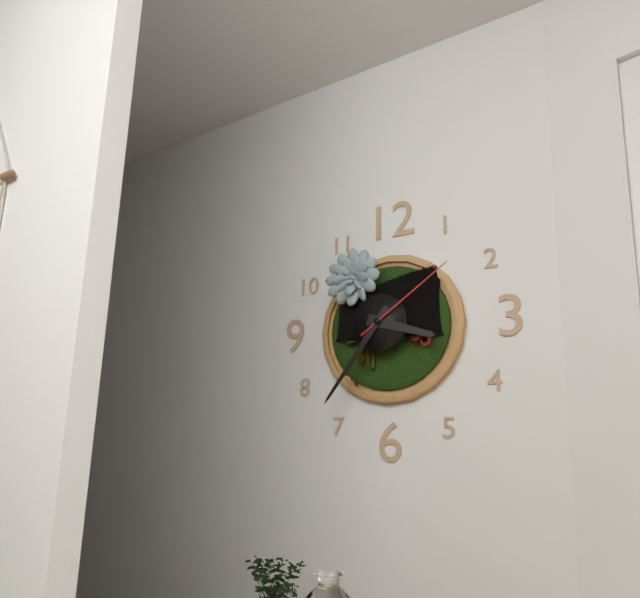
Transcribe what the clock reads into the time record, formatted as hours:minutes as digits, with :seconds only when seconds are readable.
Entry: 3:36:09
